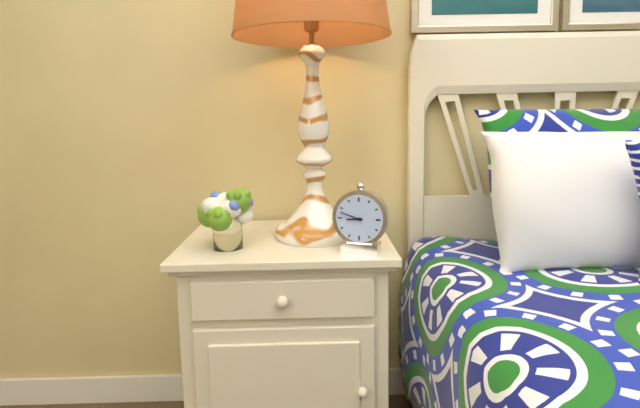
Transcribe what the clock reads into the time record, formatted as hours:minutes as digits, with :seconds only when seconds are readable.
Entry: 8:48
